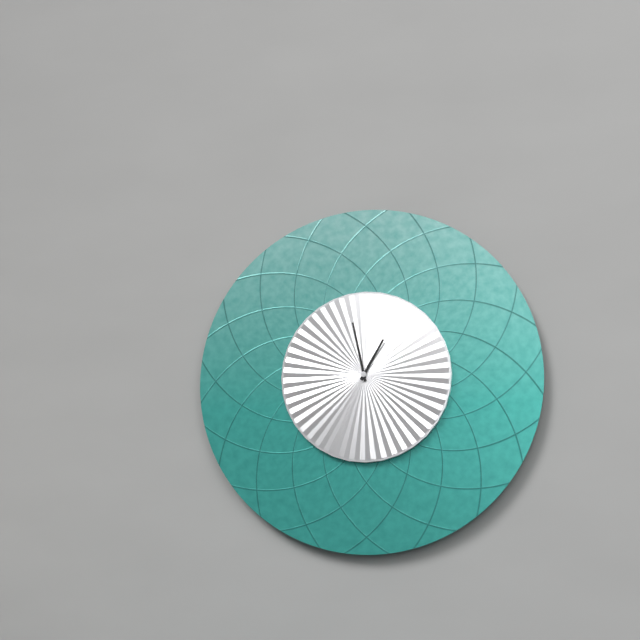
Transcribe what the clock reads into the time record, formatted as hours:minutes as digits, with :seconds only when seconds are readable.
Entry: 12:58
